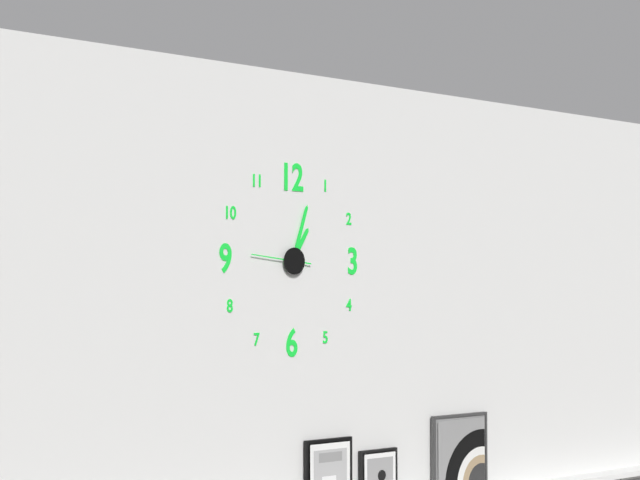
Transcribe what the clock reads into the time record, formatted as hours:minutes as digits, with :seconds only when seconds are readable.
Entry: 1:03:46
